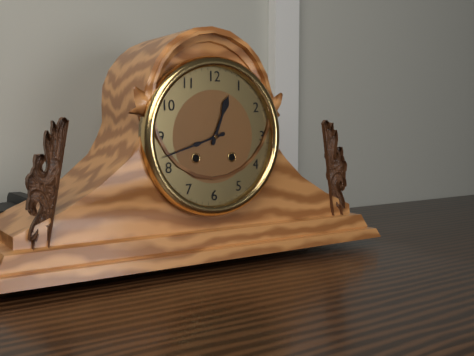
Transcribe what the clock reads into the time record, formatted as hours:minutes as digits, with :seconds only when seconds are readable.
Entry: 12:42
